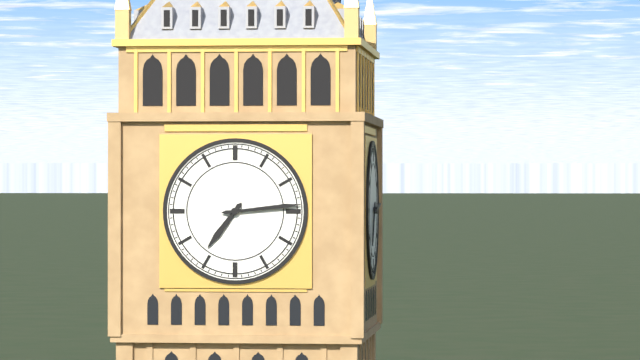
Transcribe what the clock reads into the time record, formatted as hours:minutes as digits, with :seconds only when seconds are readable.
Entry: 7:14
